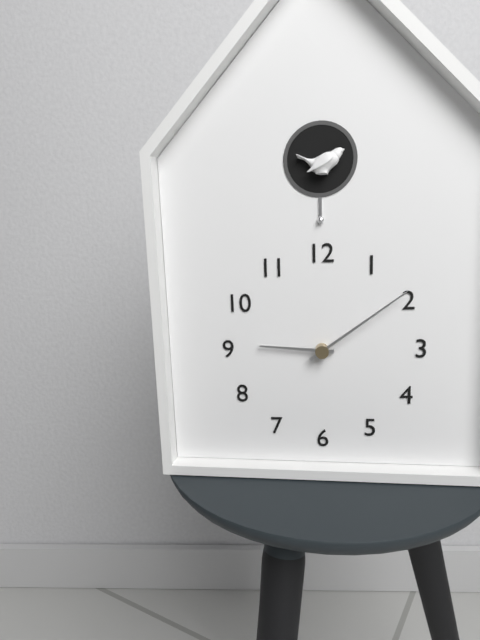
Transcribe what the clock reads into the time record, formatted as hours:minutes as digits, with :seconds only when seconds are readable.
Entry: 9:09
